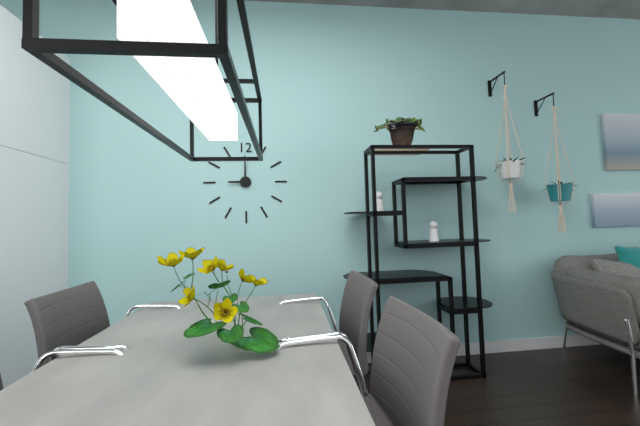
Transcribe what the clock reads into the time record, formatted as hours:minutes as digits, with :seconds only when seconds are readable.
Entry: 9:00
